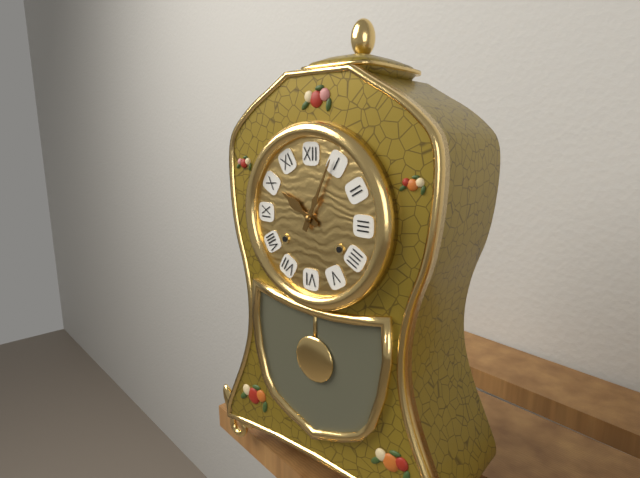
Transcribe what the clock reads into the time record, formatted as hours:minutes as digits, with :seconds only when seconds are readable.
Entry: 10:04
